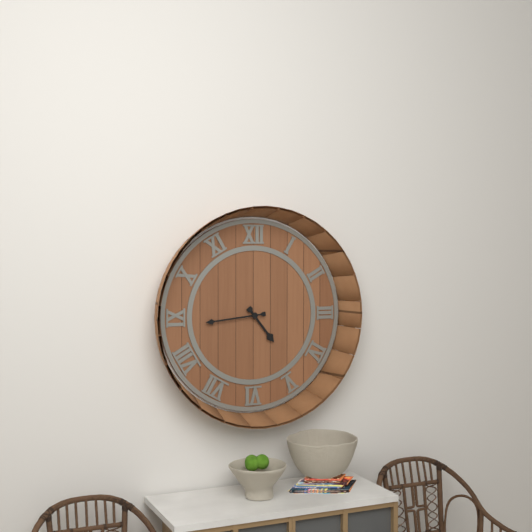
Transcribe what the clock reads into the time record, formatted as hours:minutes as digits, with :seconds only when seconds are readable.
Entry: 4:44
